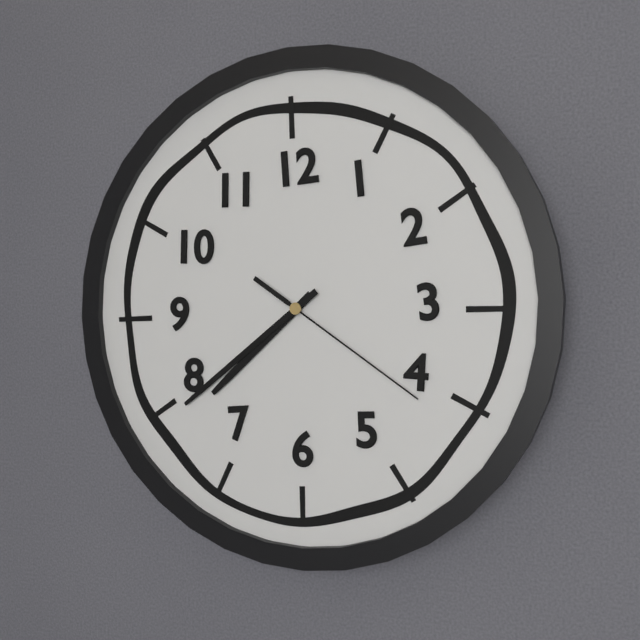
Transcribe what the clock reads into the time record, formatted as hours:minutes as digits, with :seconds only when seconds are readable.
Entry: 7:39:21
